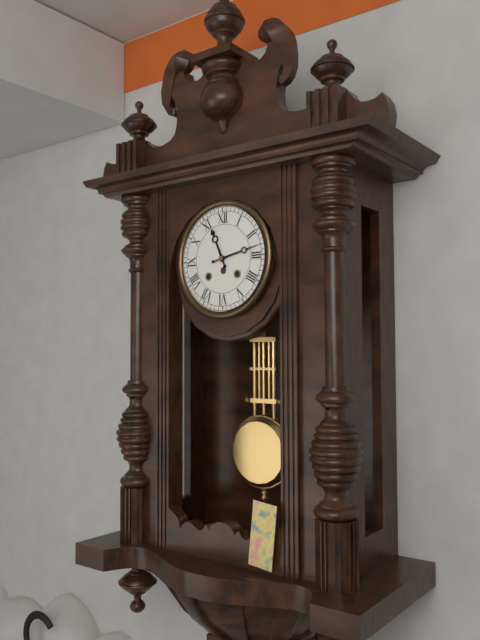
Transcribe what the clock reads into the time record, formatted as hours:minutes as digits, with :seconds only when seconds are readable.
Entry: 11:13
